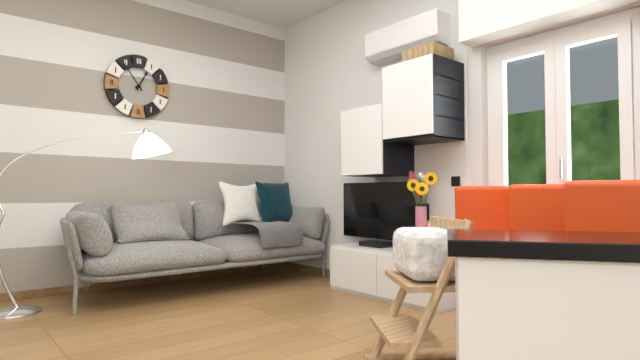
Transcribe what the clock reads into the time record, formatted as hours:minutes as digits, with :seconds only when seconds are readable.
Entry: 12:54
